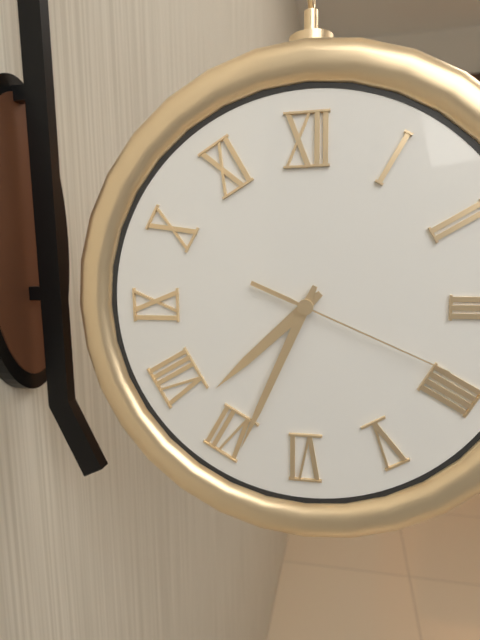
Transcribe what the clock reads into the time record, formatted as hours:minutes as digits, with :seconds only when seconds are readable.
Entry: 7:34:19
